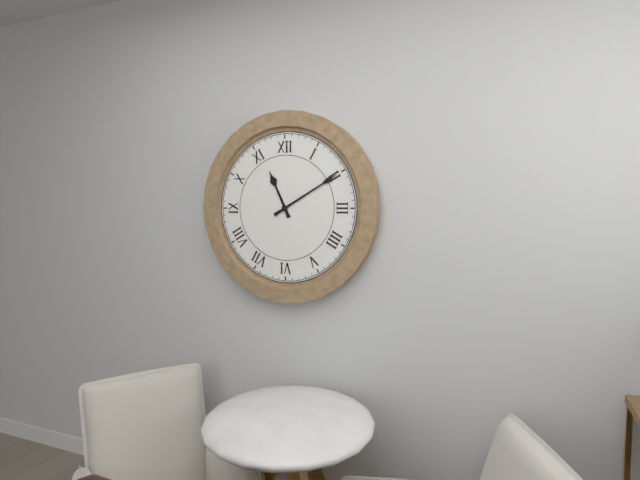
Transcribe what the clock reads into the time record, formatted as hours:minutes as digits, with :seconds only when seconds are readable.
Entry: 11:10
